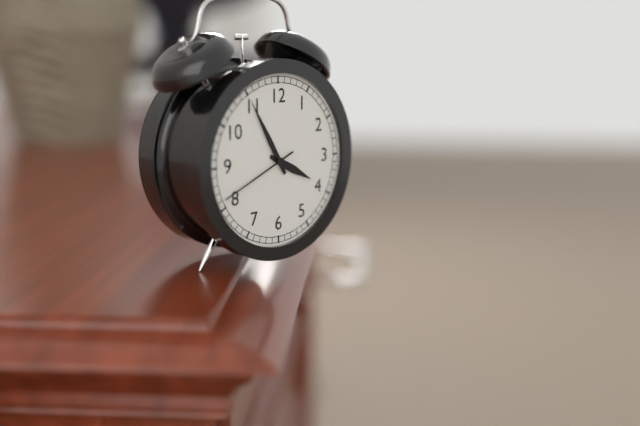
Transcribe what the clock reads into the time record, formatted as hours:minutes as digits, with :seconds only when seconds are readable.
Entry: 3:55:41
